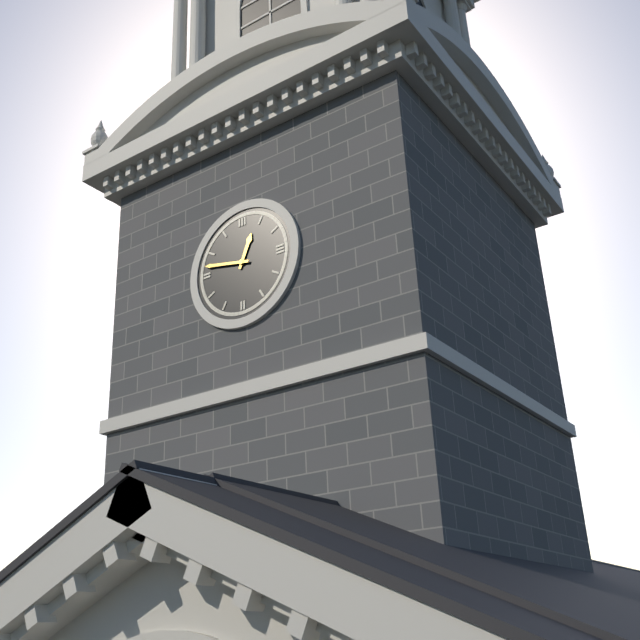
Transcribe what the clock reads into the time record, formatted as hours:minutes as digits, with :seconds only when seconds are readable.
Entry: 12:47
